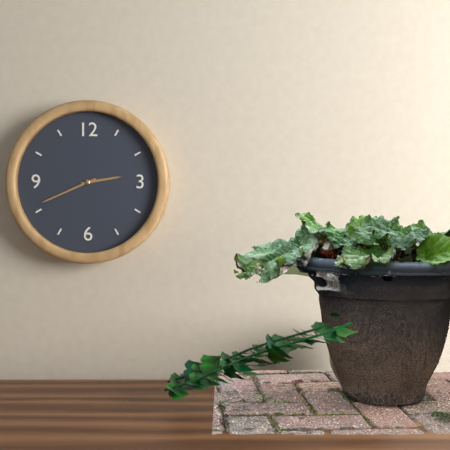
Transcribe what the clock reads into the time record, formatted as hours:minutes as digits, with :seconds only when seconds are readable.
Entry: 2:41
